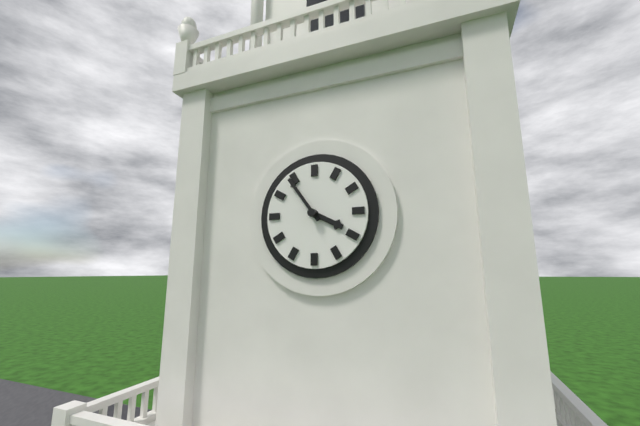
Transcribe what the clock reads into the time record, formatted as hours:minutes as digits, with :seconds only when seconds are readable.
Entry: 3:54
